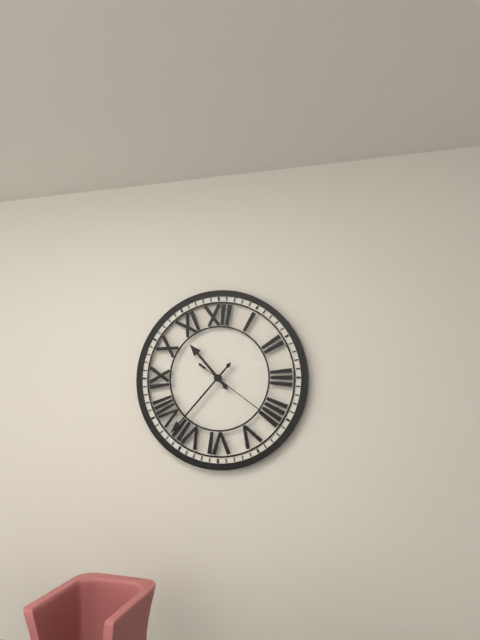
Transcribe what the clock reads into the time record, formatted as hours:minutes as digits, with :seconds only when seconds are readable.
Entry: 10:37:21
